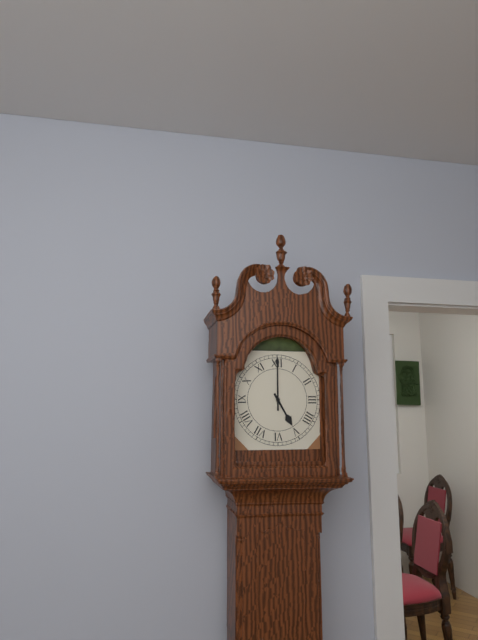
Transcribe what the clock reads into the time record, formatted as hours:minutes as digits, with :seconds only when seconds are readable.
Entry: 5:00
